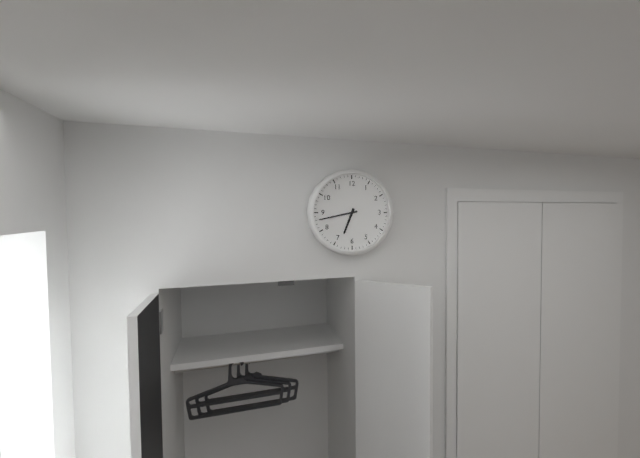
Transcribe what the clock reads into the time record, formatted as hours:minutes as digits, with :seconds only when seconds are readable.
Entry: 6:43
